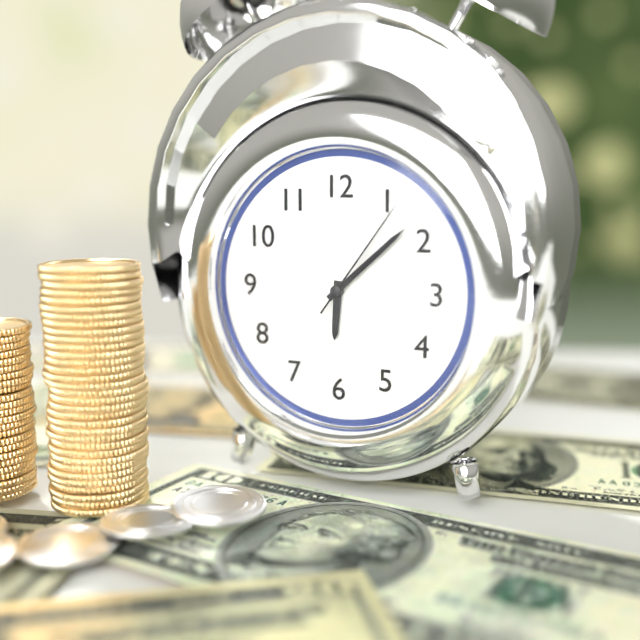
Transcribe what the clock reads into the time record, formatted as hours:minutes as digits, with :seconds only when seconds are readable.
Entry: 6:08:06
